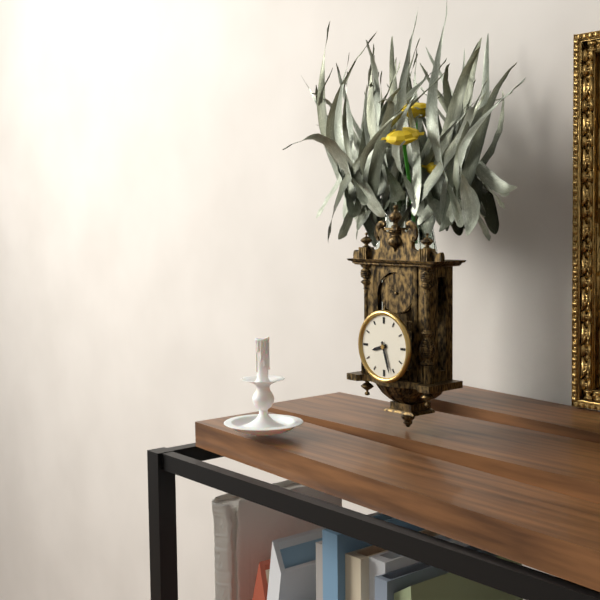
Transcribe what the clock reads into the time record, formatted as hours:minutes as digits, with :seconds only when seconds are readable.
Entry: 8:27
